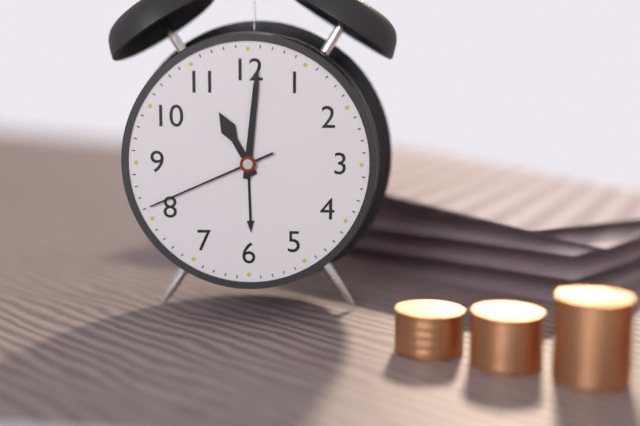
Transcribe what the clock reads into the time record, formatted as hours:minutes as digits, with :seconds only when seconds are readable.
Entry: 11:01:41
